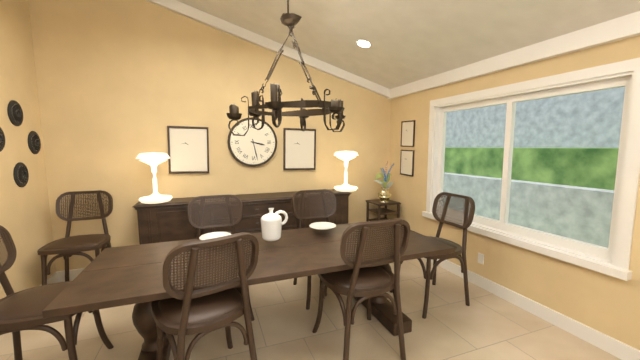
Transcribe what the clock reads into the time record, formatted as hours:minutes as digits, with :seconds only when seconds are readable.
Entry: 3:28
